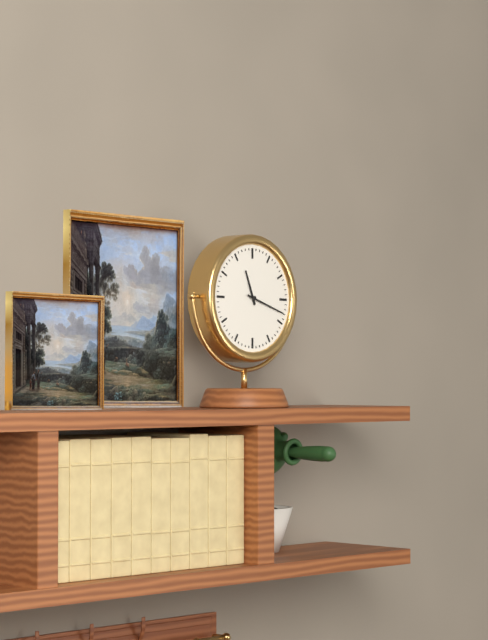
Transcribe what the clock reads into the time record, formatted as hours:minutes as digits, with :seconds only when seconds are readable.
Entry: 11:18
